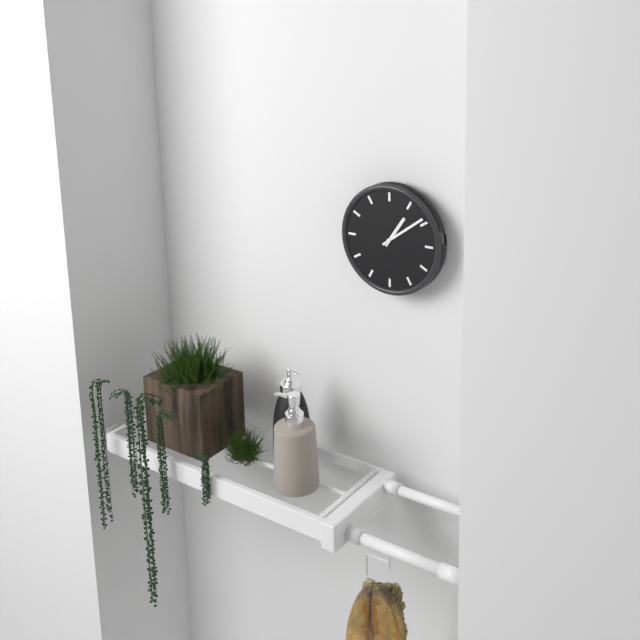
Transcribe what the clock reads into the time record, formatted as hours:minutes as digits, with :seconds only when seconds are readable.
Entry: 1:09
